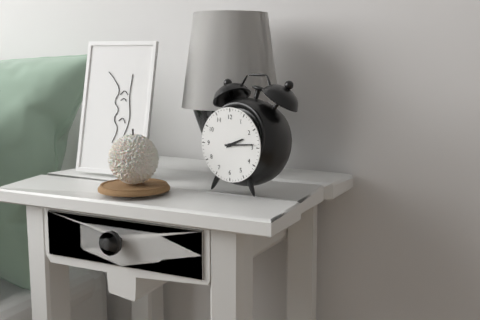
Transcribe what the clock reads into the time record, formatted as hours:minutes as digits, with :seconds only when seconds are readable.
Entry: 2:14
